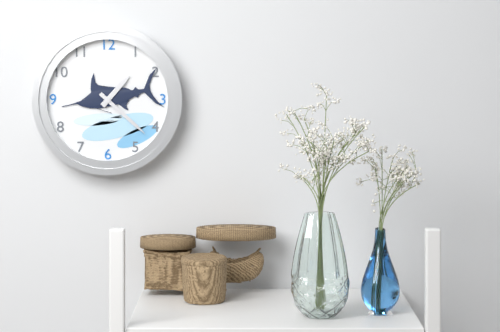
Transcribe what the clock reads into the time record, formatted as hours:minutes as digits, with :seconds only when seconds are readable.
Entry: 1:22
